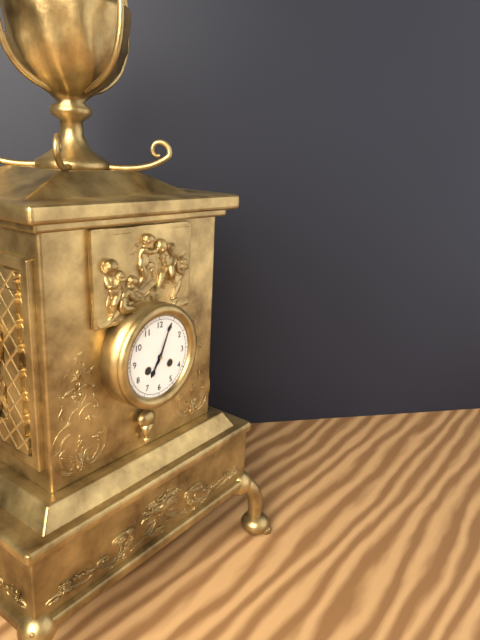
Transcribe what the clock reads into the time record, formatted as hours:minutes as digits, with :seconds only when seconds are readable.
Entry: 7:04
